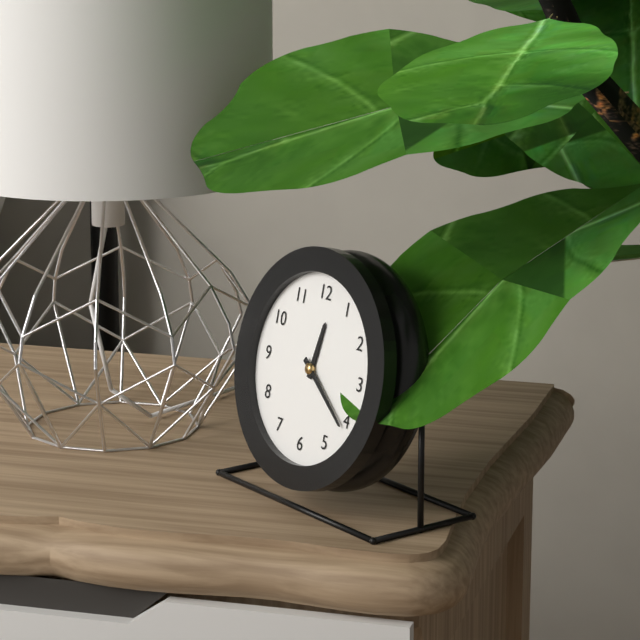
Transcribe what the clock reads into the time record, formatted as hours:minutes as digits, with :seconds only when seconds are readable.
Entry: 12:21
